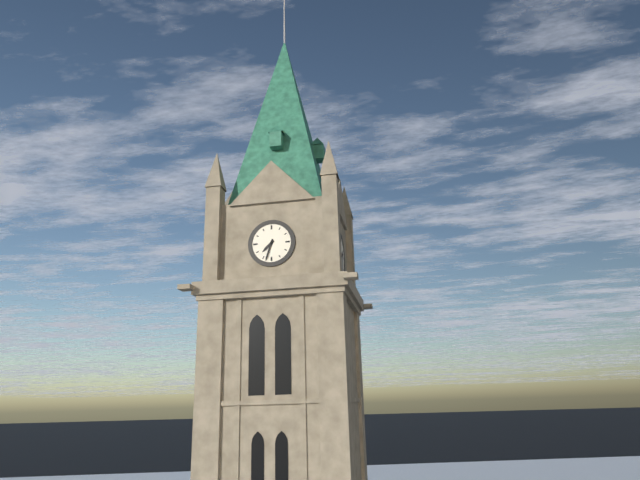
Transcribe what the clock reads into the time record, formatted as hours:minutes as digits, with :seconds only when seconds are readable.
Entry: 7:33
